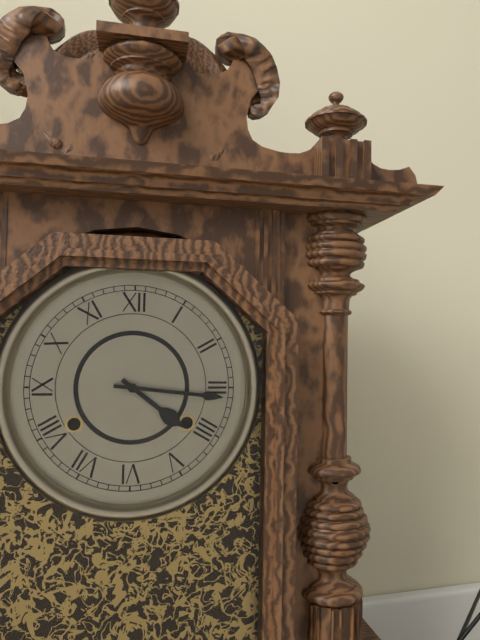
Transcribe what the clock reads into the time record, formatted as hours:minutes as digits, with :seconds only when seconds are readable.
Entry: 4:16
